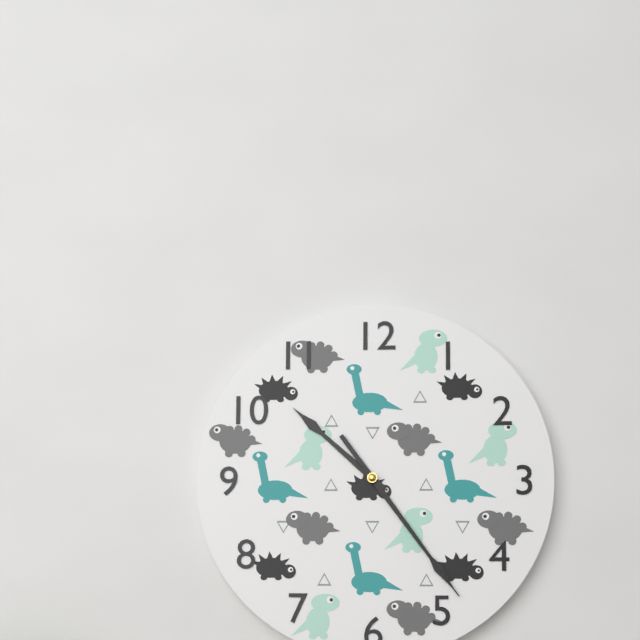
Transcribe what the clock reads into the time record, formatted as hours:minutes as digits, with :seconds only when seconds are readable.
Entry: 10:24:24
